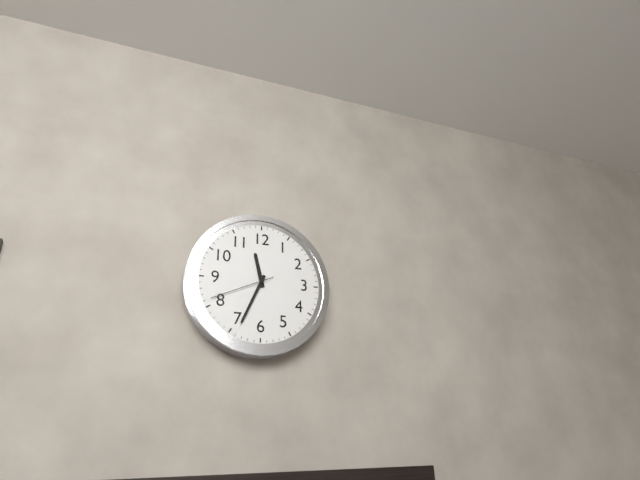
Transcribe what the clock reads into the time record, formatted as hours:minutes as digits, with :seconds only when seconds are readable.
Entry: 11:34:41
